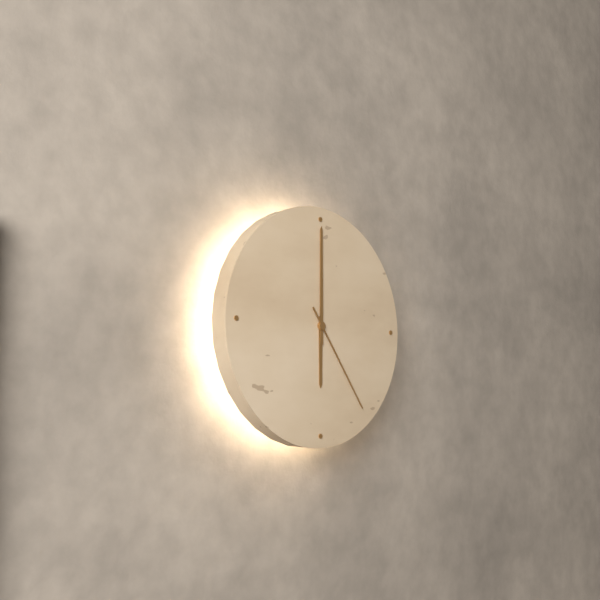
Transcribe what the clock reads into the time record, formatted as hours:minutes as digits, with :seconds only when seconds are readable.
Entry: 6:00:24
